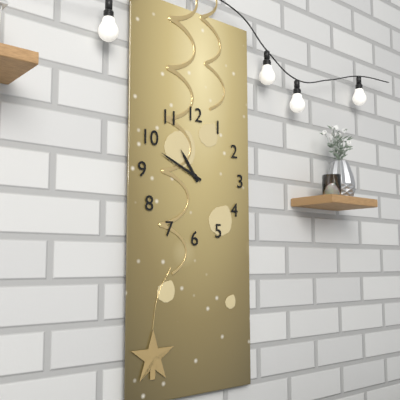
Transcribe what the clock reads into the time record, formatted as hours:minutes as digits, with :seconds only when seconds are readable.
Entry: 10:49
